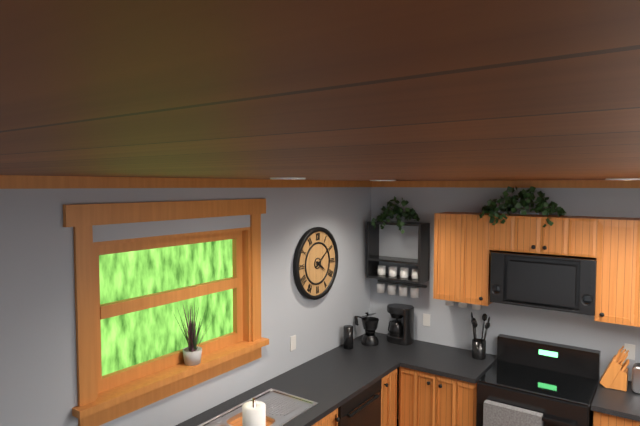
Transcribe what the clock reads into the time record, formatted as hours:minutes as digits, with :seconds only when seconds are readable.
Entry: 4:09
